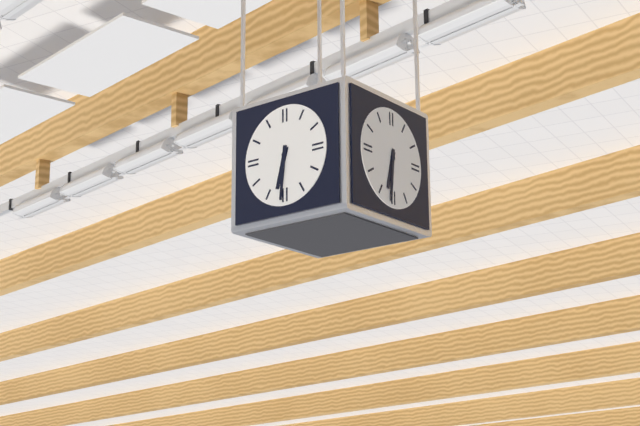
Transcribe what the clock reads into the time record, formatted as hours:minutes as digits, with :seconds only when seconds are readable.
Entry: 6:31
